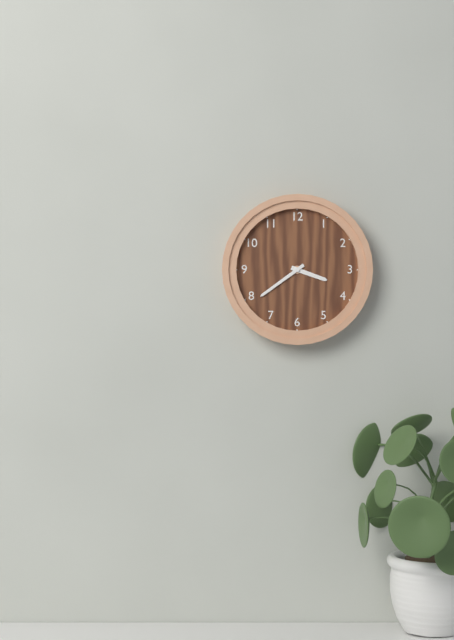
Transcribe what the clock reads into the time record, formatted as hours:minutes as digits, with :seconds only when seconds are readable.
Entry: 3:39
